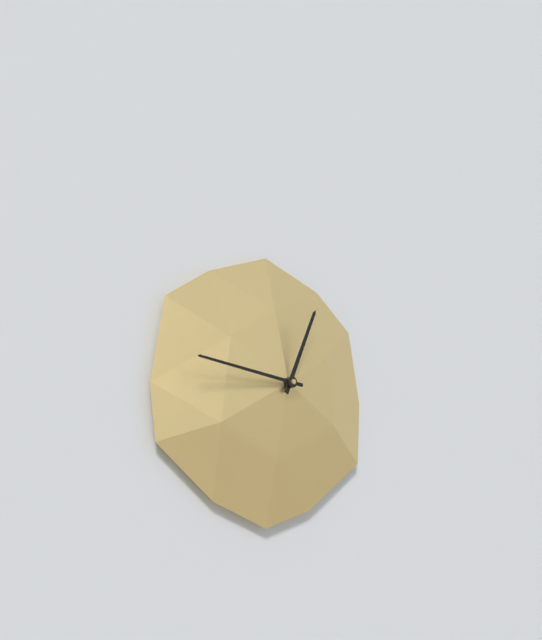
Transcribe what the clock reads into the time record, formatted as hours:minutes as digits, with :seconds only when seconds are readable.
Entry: 12:46
